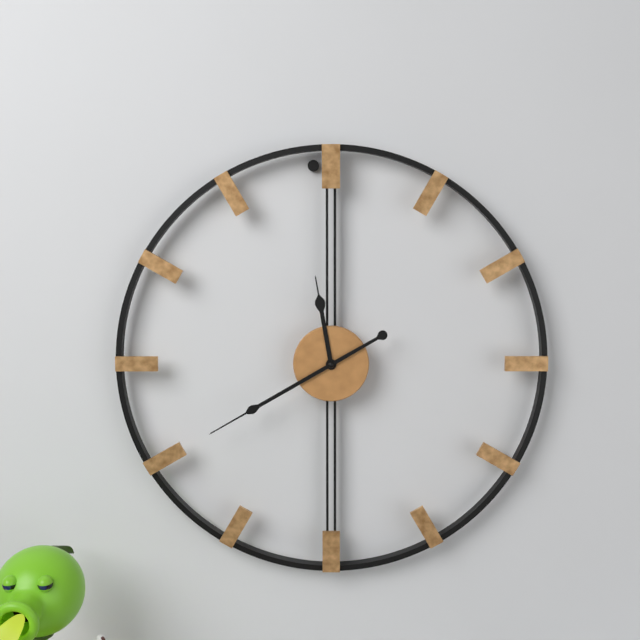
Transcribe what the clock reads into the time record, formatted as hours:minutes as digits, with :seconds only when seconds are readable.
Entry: 11:40
